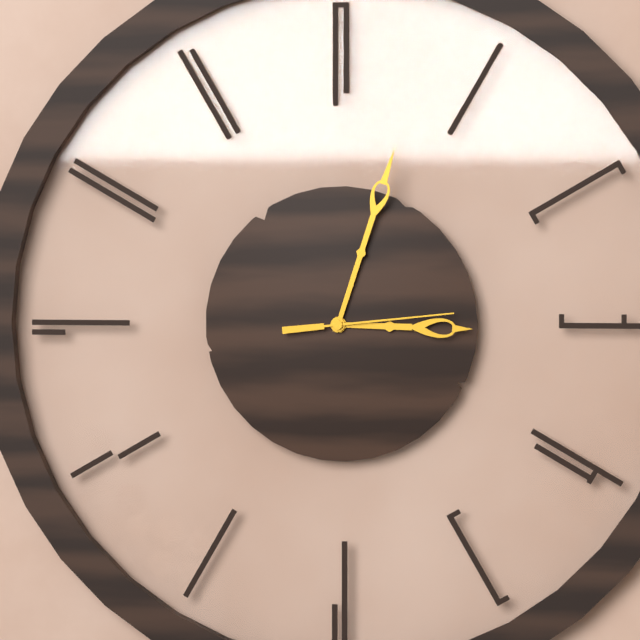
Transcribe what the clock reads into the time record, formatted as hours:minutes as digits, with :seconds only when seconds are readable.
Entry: 3:03:14
